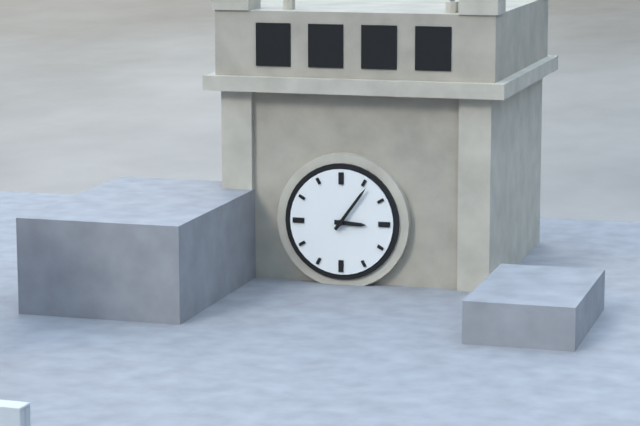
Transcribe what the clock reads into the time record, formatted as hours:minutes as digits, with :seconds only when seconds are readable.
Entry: 3:06
